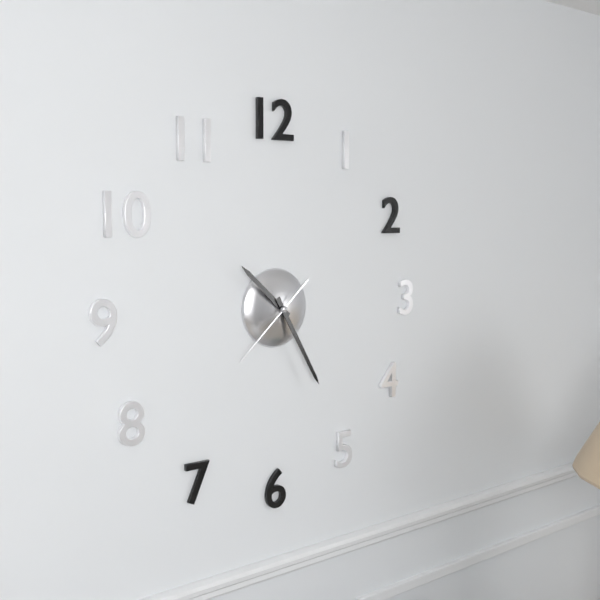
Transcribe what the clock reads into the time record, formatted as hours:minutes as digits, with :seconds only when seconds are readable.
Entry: 10:25:38
